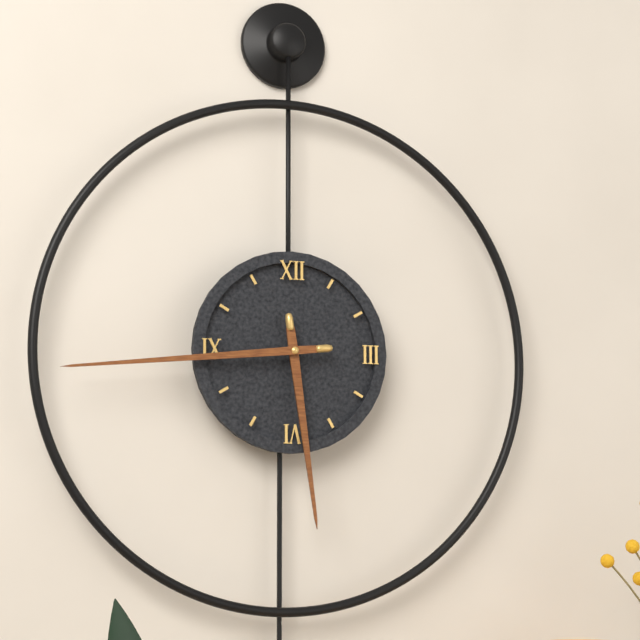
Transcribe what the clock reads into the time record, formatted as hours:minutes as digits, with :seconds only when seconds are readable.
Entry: 5:44
